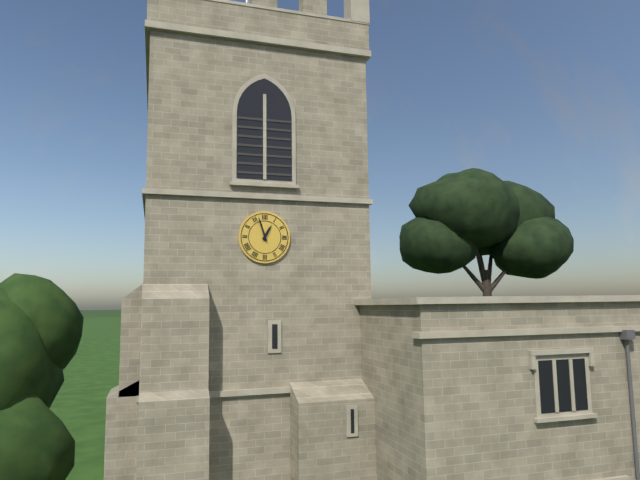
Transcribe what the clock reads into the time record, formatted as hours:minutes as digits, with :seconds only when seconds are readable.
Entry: 12:57
